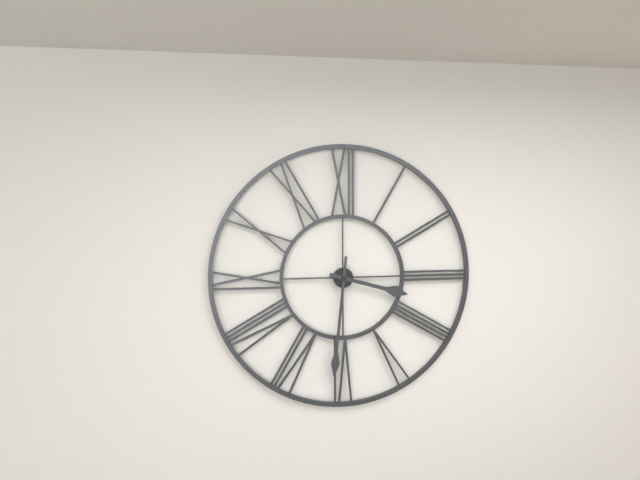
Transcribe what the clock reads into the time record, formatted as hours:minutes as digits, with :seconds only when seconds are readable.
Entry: 3:31
